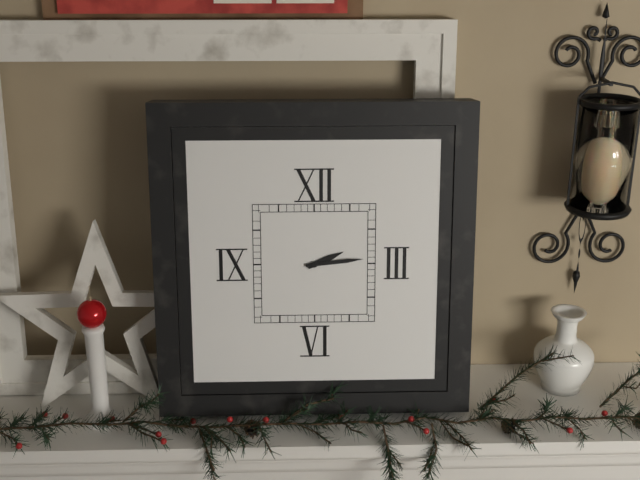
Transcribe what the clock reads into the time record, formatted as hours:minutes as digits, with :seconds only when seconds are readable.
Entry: 2:14
